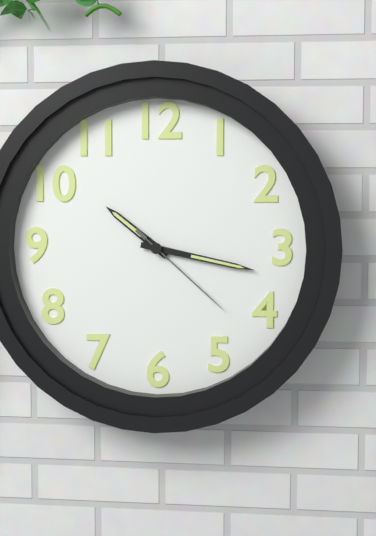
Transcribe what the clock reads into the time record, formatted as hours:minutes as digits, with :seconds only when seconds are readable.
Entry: 10:17:22
